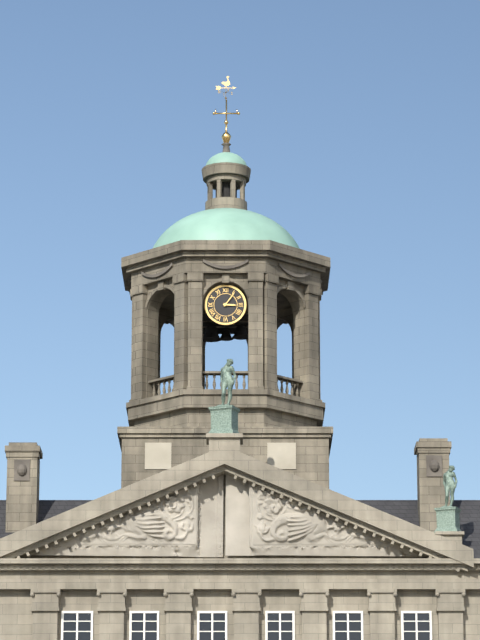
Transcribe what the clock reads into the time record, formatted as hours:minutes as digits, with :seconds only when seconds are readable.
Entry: 3:06
